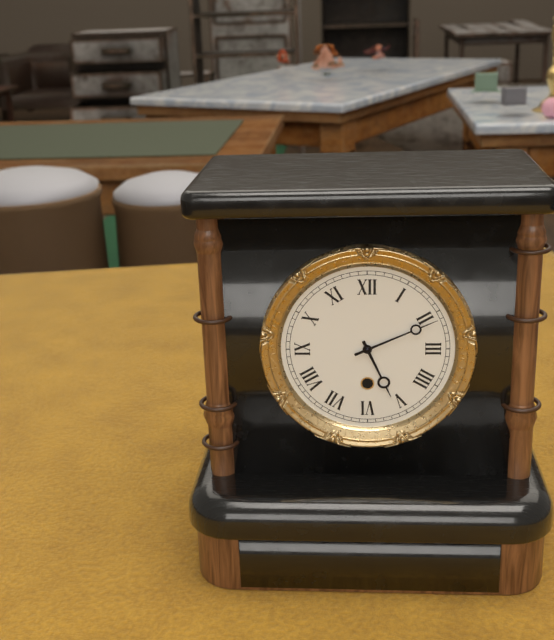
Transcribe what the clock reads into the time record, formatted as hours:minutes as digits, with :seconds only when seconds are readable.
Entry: 5:11
